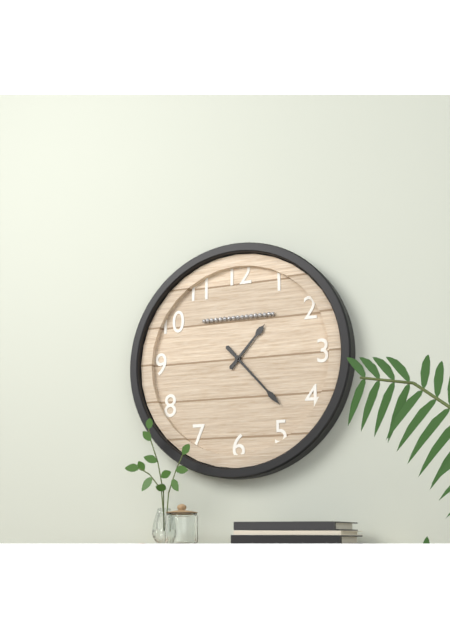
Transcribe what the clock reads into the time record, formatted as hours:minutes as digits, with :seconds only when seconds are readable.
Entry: 1:23
